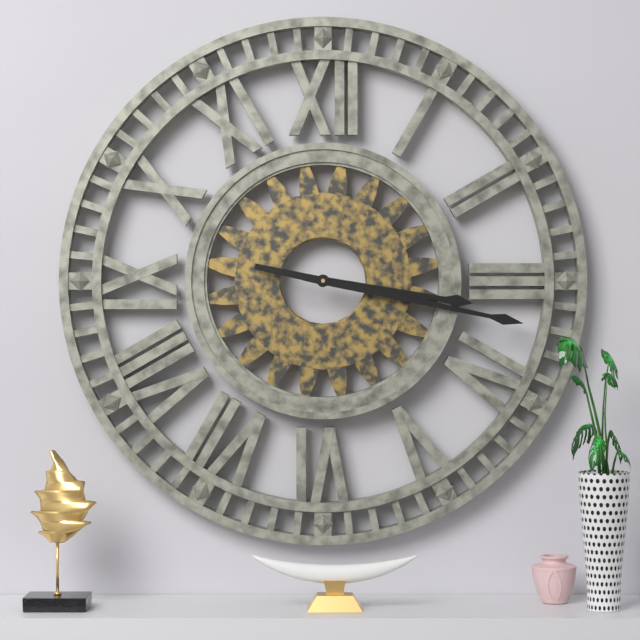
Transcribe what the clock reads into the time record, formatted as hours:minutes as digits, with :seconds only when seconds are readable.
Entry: 3:17
